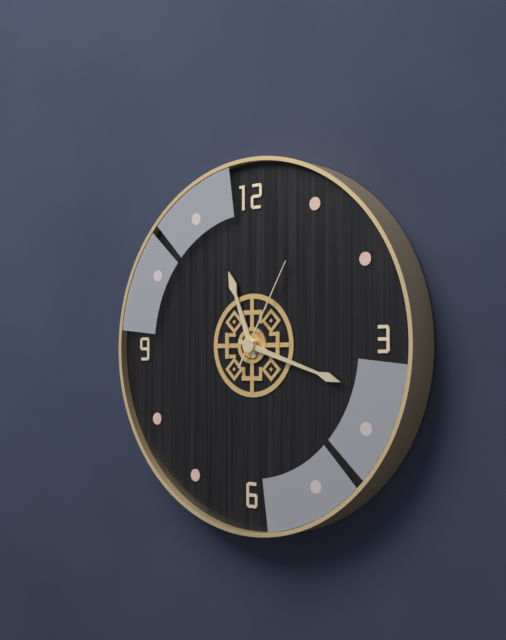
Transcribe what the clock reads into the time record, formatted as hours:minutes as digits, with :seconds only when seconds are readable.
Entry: 11:18:05
